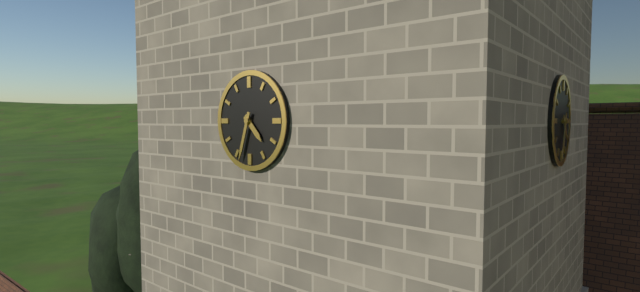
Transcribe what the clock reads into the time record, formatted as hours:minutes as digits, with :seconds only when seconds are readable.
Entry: 4:33
